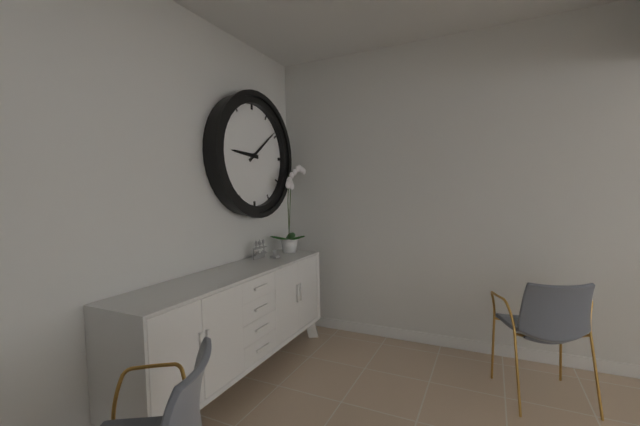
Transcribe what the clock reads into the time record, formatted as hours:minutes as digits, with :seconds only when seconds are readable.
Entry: 9:09
